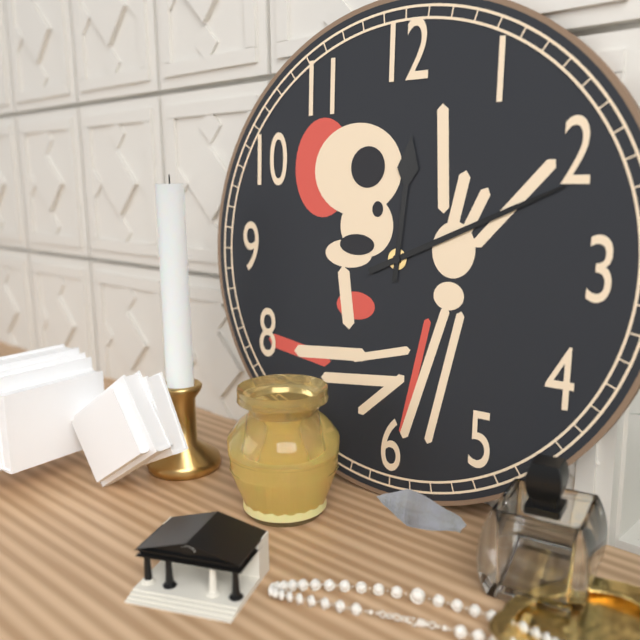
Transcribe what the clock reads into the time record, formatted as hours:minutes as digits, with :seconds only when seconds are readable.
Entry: 12:11
